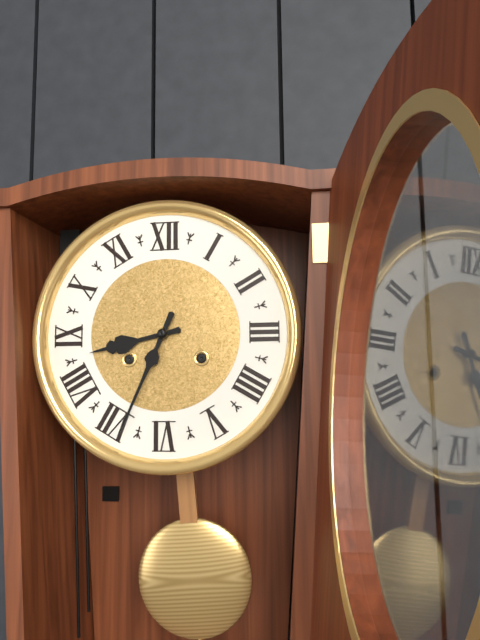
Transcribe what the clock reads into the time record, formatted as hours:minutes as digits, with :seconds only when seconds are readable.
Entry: 8:34
